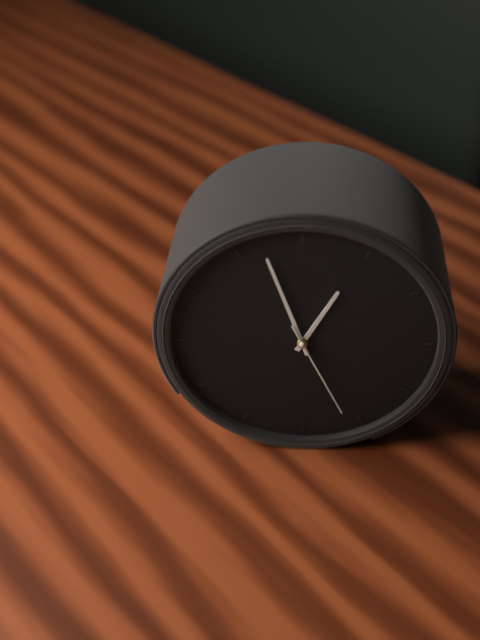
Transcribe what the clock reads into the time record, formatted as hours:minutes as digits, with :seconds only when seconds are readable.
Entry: 12:57:26
